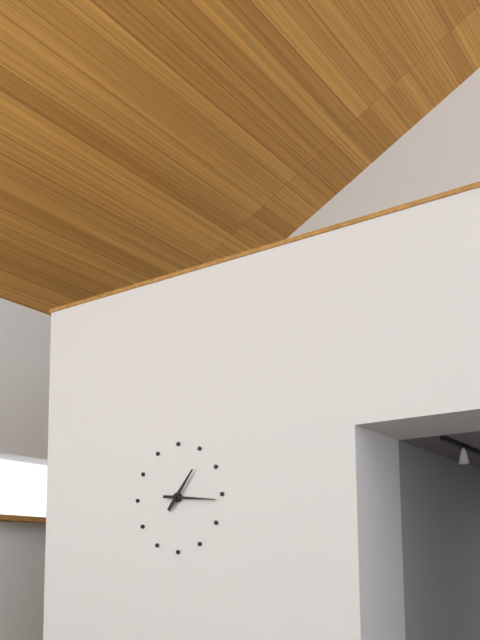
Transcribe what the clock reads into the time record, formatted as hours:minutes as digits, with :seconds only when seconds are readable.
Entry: 1:16
